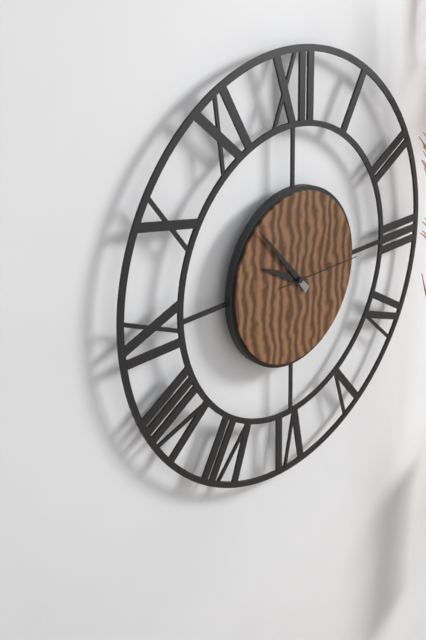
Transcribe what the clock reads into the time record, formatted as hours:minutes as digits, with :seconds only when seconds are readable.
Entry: 9:53:15
